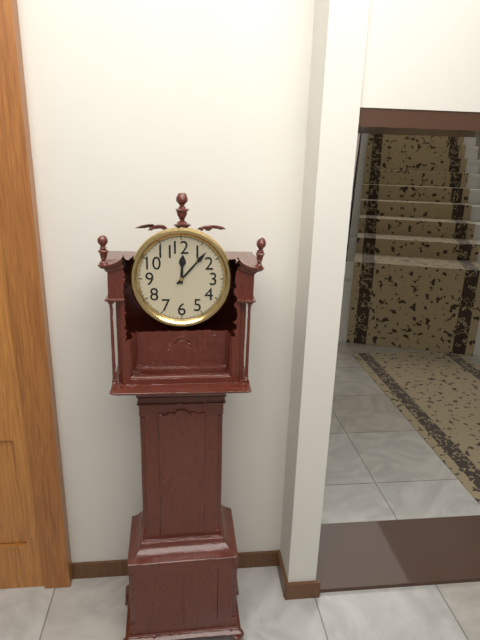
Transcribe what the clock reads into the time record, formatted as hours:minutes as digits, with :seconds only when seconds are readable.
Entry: 12:07
